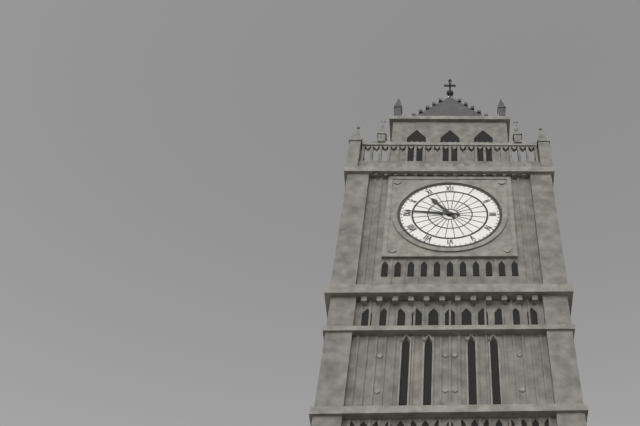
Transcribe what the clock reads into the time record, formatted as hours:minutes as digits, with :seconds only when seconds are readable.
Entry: 10:46
